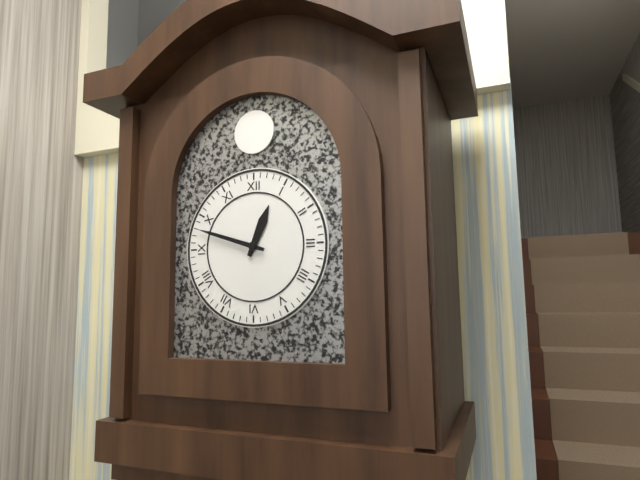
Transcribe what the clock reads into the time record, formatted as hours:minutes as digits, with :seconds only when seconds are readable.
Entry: 12:48
